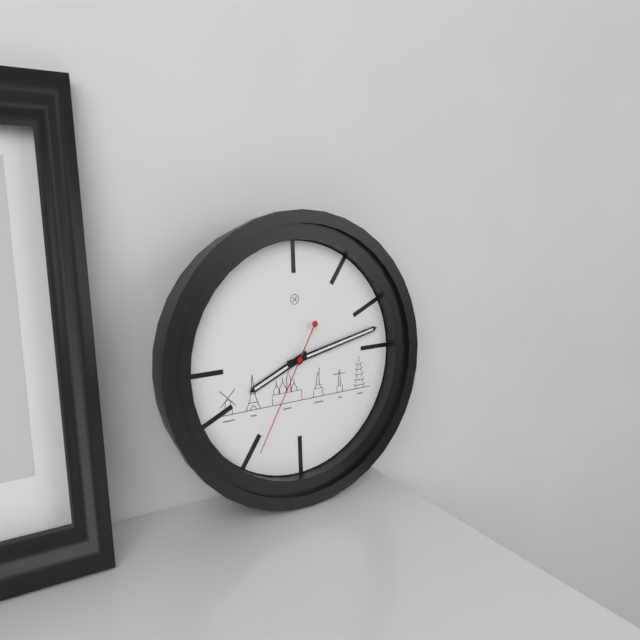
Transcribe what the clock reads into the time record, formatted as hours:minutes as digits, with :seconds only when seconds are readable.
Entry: 8:13:35
